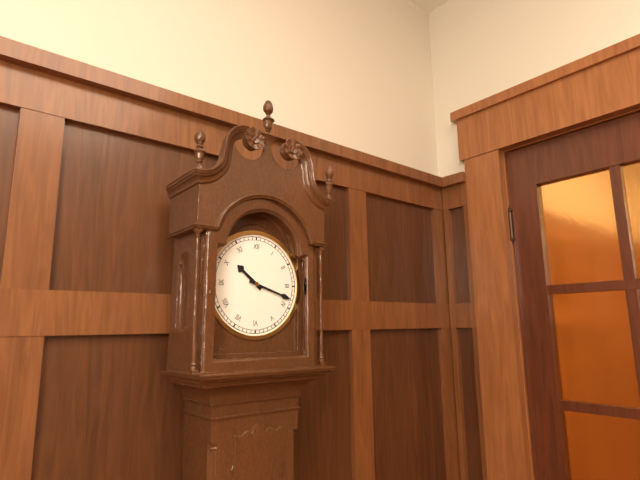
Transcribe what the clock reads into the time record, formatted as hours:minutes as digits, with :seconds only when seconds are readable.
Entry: 10:18
